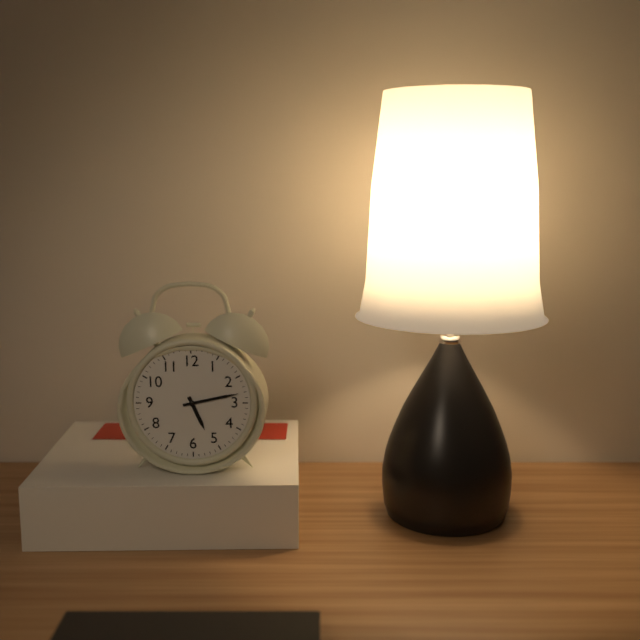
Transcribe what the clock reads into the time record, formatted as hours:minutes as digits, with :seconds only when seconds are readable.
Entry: 5:13
